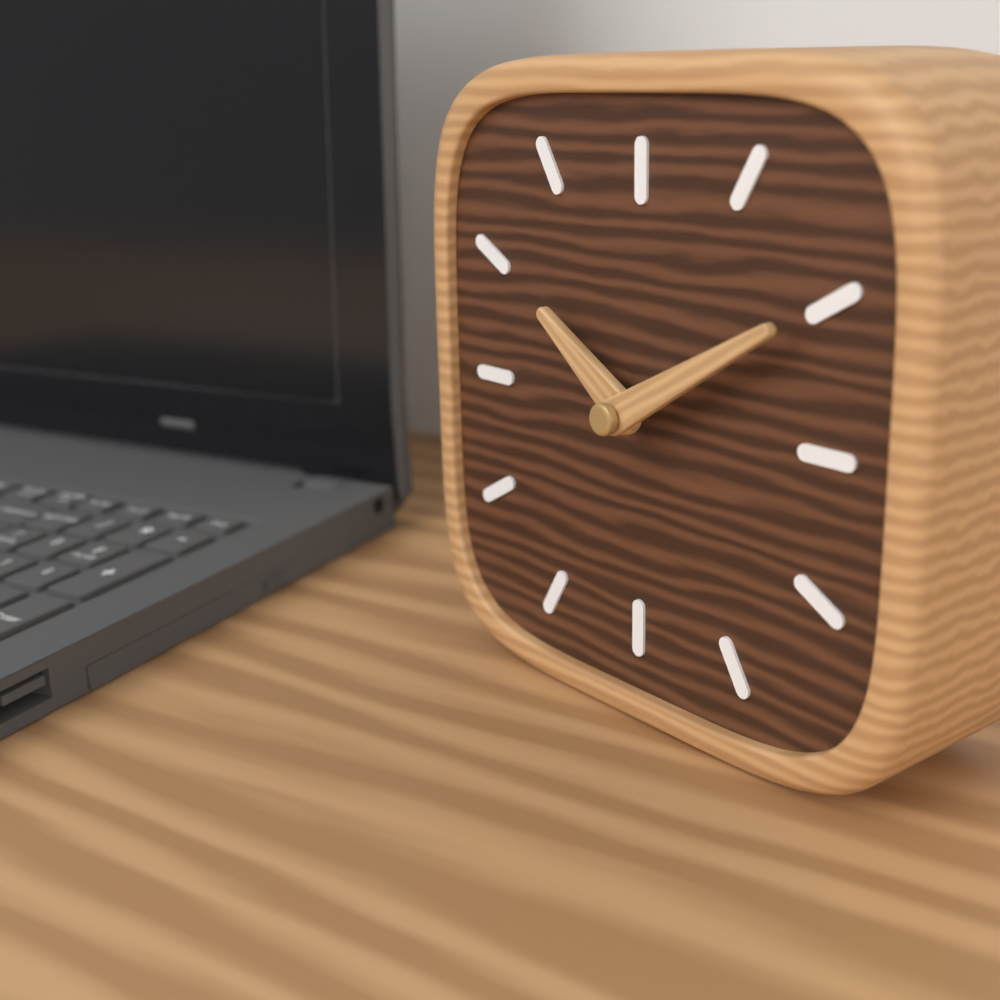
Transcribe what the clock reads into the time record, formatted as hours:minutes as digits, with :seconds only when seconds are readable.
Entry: 10:10
